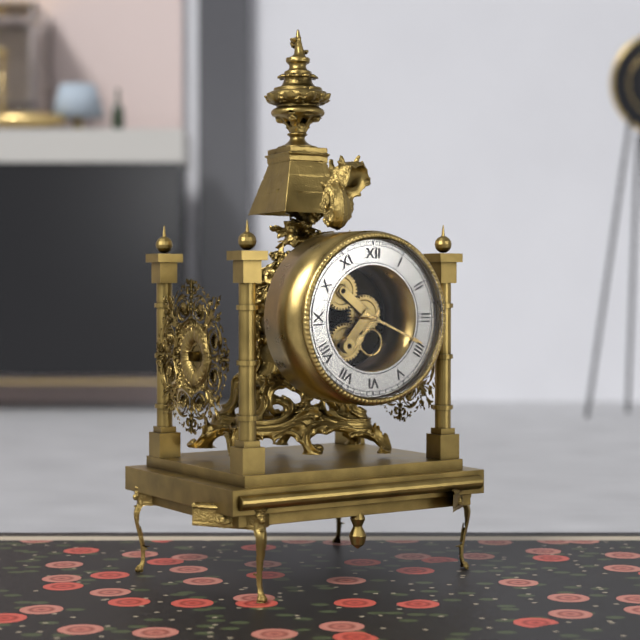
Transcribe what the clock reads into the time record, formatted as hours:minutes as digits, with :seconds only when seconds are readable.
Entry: 7:19
